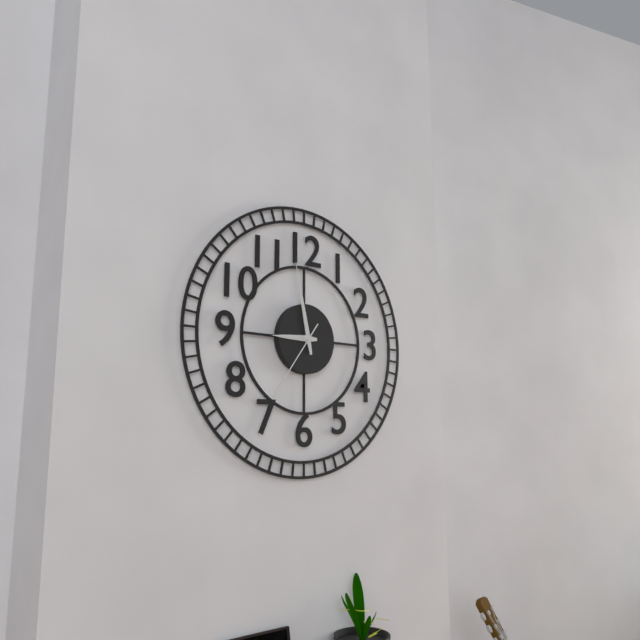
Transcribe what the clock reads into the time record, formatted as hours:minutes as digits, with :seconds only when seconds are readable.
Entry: 8:58:36
